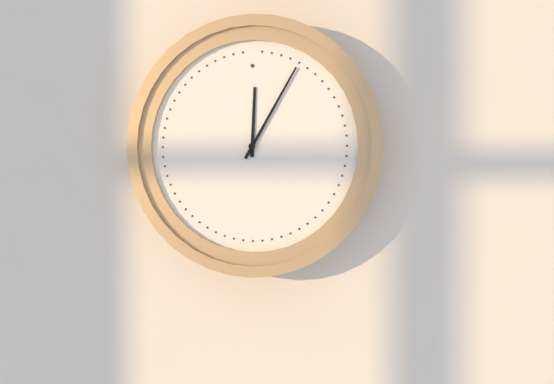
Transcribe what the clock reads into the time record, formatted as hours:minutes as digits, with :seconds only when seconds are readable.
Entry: 12:05
